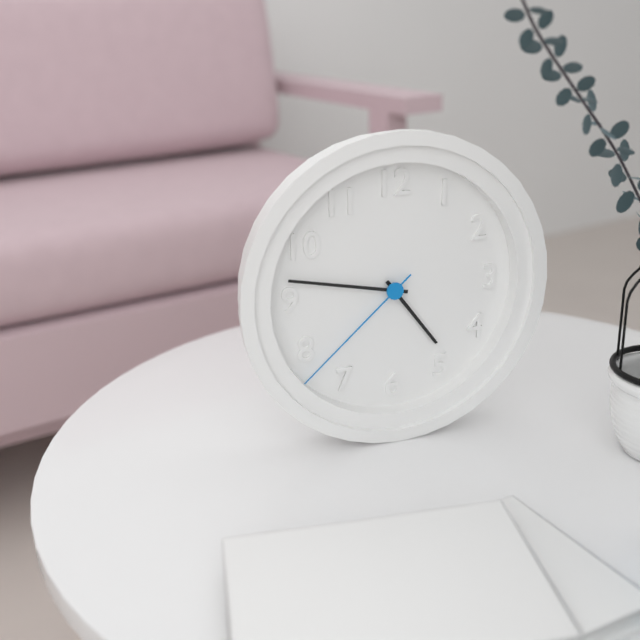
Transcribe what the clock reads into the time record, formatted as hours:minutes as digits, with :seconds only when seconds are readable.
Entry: 4:47:38
